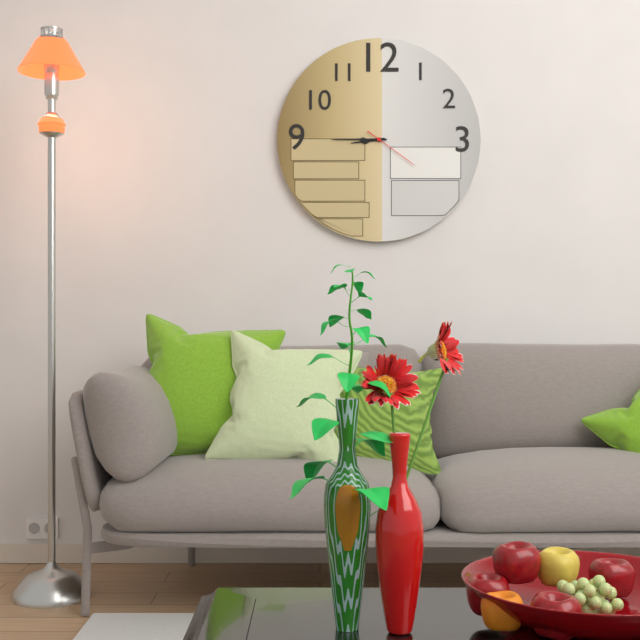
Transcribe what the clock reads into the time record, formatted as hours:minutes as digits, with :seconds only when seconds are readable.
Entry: 8:45:21
